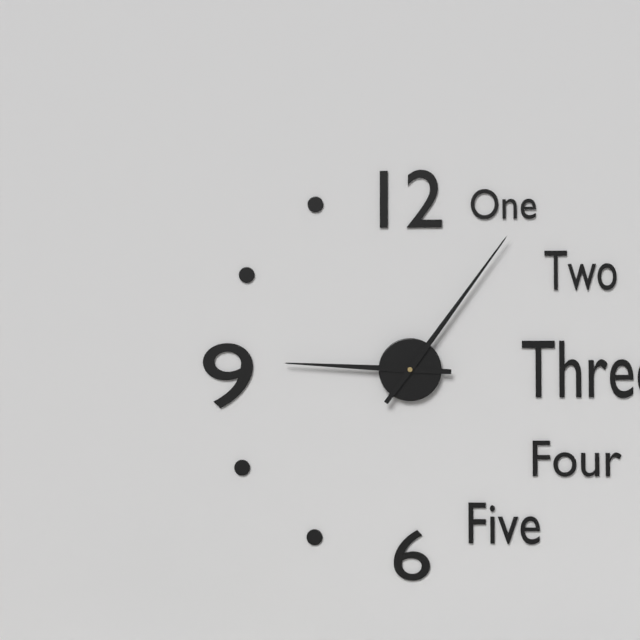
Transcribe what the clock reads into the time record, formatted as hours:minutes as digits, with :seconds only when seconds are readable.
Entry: 9:06
